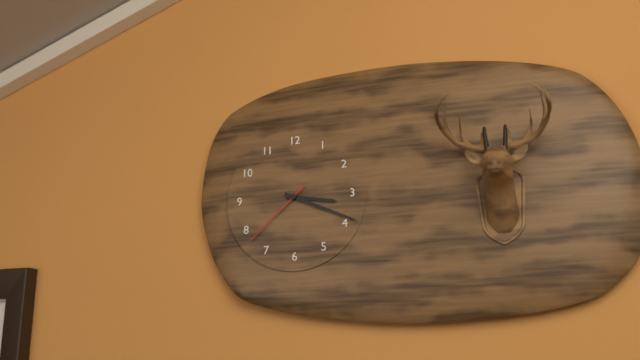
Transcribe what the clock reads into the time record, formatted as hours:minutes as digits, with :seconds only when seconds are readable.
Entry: 3:19:38
